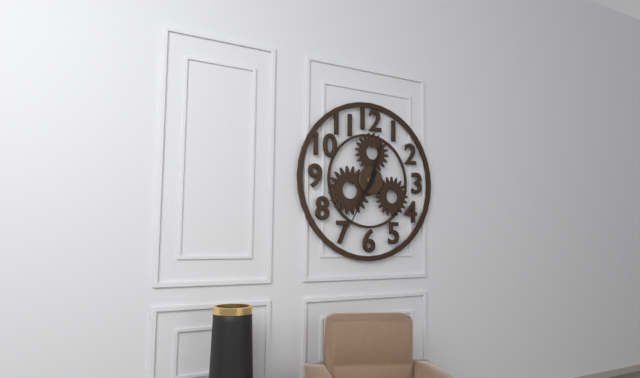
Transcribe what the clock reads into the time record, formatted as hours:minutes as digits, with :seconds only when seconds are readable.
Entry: 12:35
